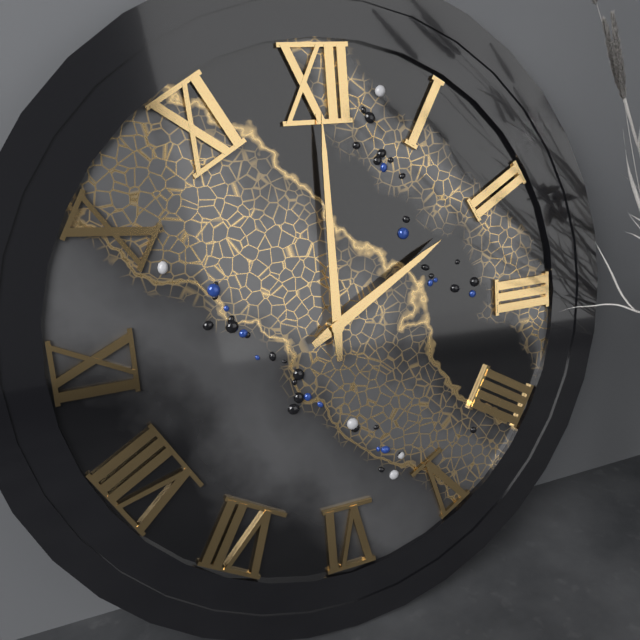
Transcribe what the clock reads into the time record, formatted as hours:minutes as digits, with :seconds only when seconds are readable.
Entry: 2:00
